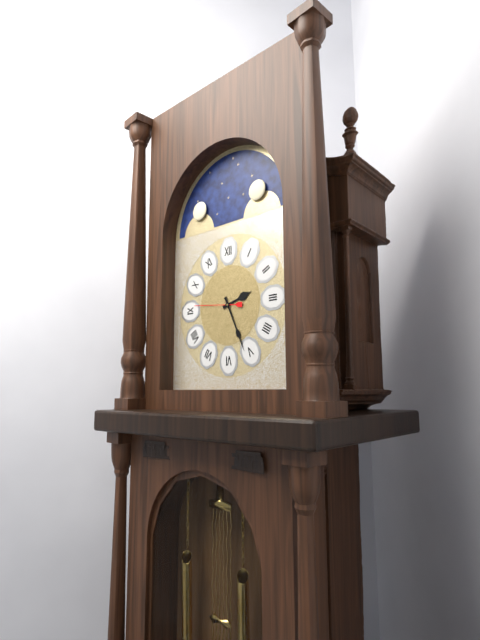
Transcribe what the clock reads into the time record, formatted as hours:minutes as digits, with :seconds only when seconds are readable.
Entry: 2:26
